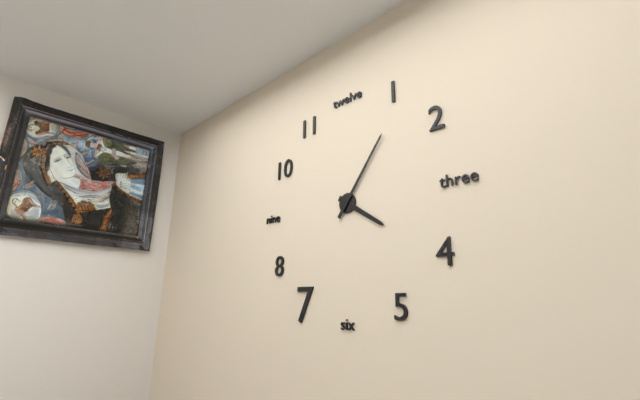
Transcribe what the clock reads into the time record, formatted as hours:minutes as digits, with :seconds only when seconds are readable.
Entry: 4:06
